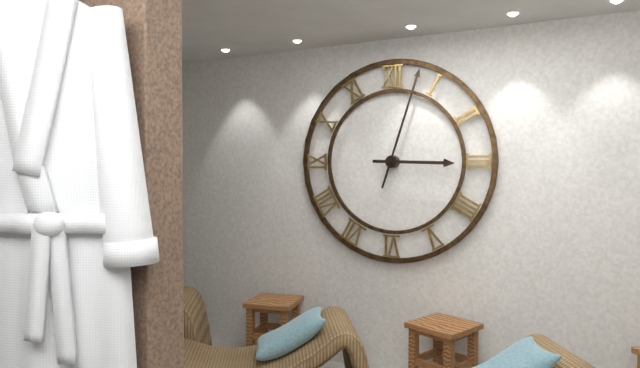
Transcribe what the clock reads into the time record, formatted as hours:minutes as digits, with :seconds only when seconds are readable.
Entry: 3:03
